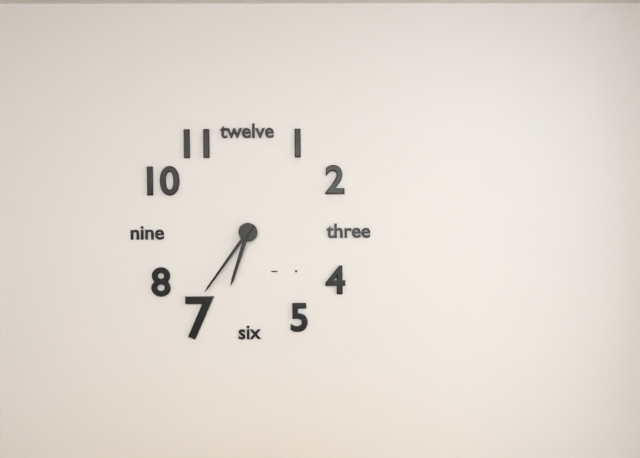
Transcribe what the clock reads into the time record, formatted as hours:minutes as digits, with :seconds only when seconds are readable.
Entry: 6:36
